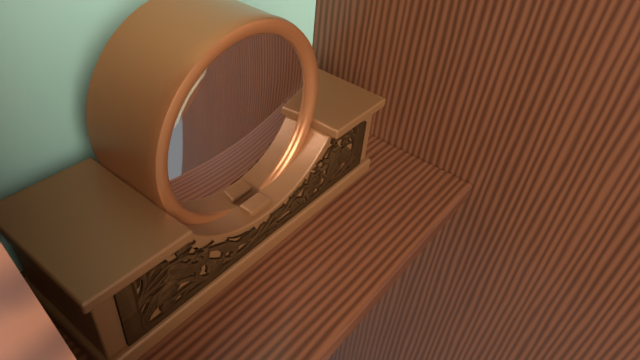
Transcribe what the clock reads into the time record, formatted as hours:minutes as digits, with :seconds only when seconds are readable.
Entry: 5:31
